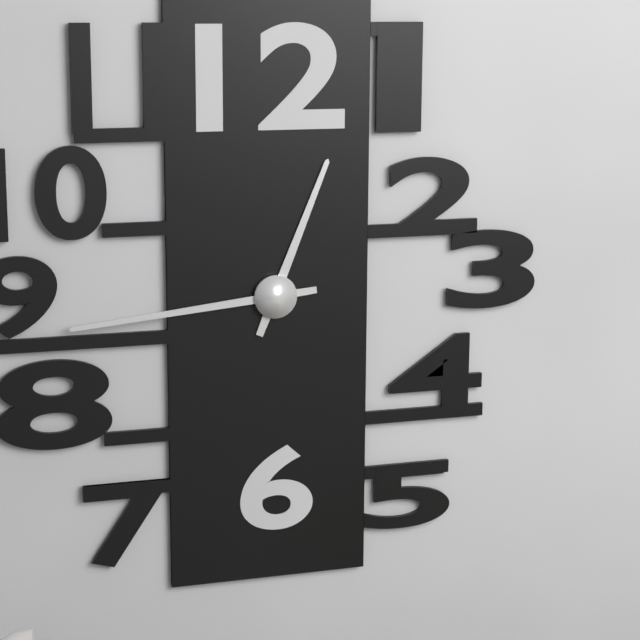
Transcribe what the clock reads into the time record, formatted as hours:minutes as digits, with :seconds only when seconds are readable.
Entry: 12:44
